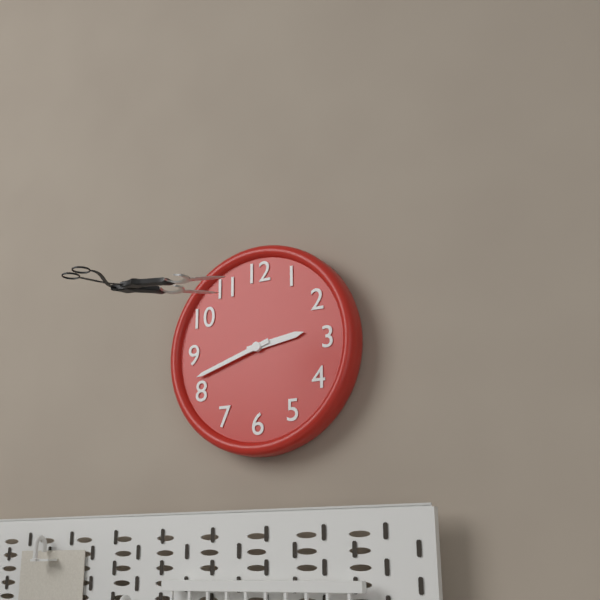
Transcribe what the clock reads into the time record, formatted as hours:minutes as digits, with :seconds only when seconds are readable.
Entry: 2:42
